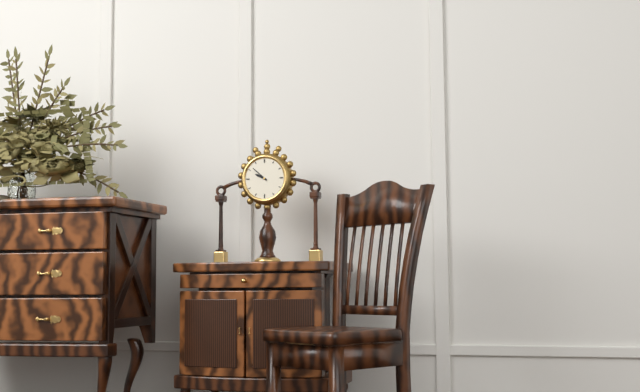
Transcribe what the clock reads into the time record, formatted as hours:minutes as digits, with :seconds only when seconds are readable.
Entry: 9:52
